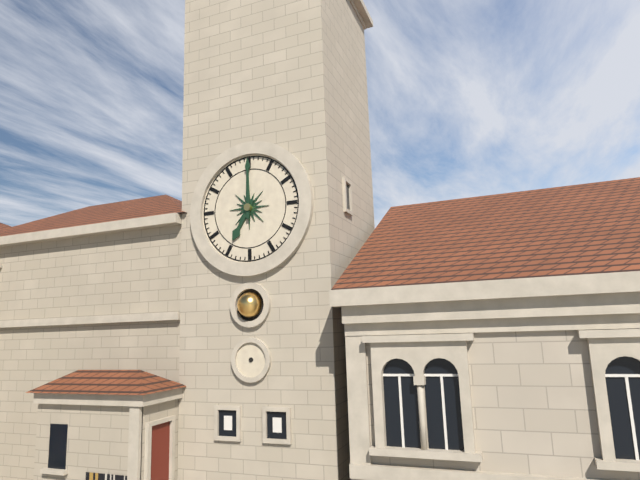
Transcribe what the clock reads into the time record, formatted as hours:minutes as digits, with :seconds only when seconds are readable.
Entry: 7:00
